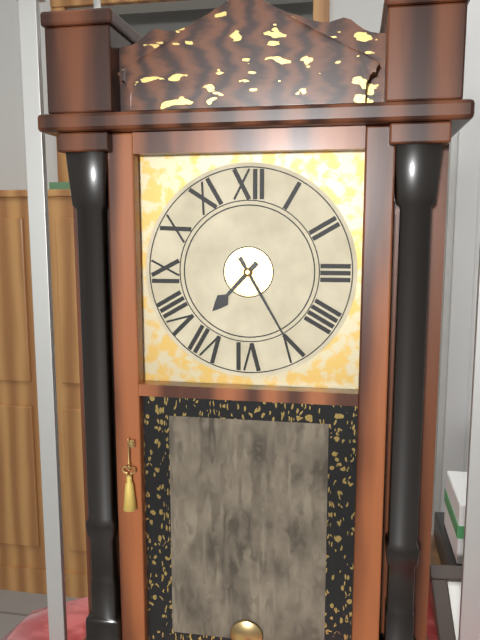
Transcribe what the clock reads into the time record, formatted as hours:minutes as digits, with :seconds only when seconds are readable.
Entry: 7:25
